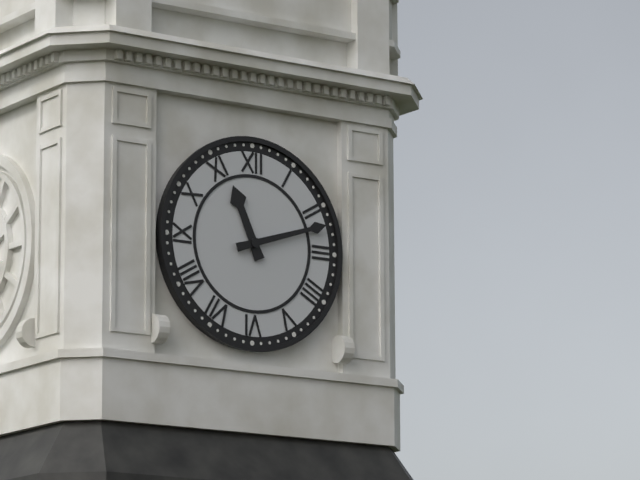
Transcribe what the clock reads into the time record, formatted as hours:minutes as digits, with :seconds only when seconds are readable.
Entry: 11:12
